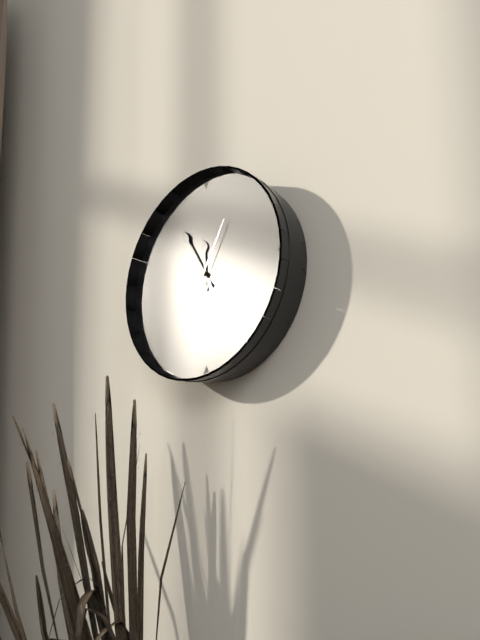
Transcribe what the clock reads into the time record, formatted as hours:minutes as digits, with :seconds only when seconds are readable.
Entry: 11:55:05
